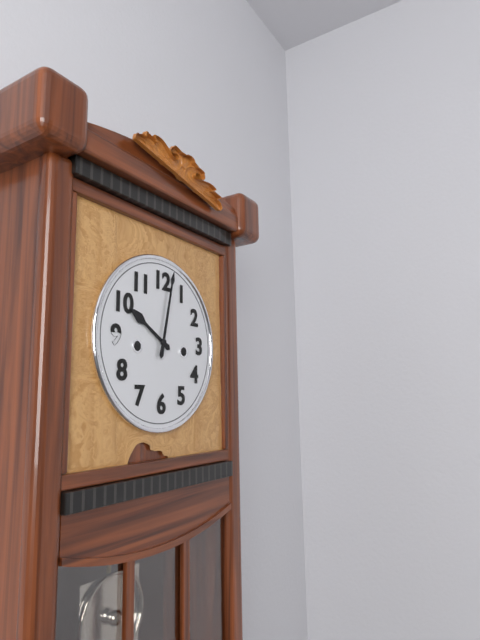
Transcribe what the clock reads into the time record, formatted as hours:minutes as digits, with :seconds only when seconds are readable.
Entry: 10:02
